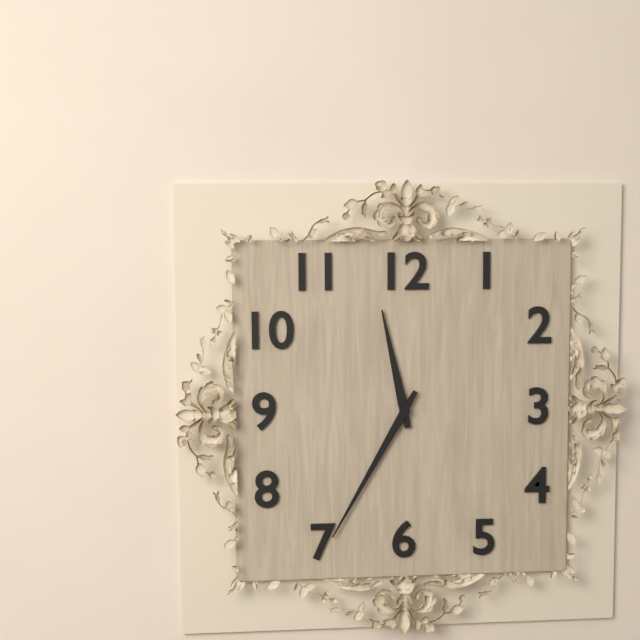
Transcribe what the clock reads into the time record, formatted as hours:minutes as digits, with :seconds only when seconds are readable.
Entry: 11:35
